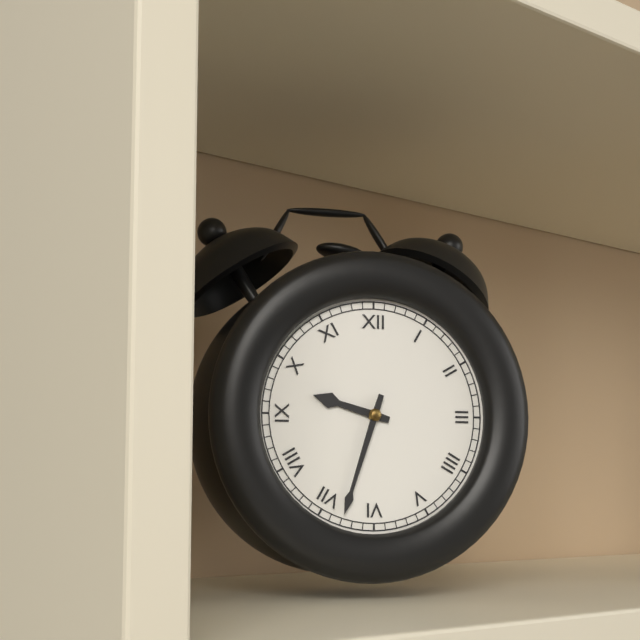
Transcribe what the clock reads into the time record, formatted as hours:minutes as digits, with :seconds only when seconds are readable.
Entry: 9:33
